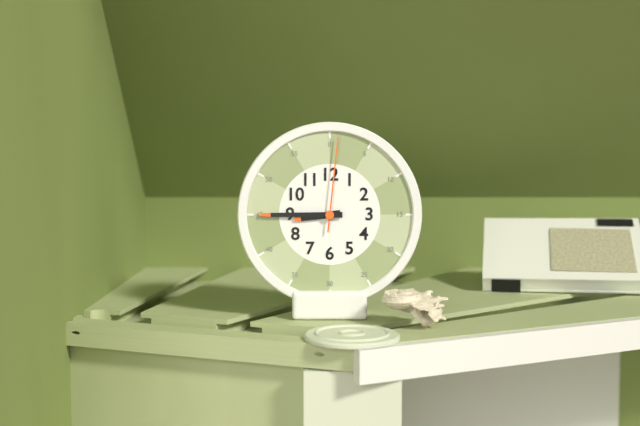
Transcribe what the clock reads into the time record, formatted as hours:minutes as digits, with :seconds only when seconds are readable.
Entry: 8:45:01
